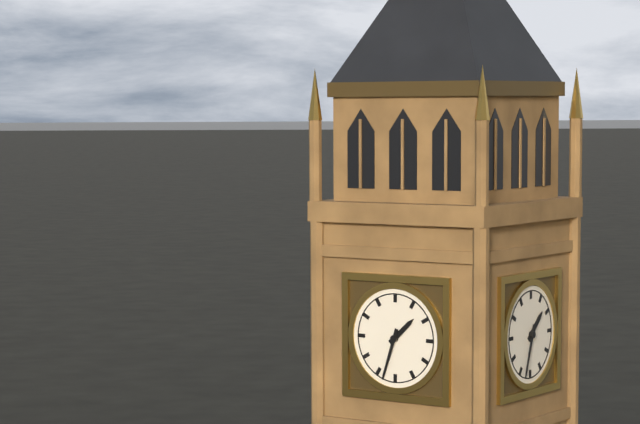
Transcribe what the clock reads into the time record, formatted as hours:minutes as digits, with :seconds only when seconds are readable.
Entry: 1:33
